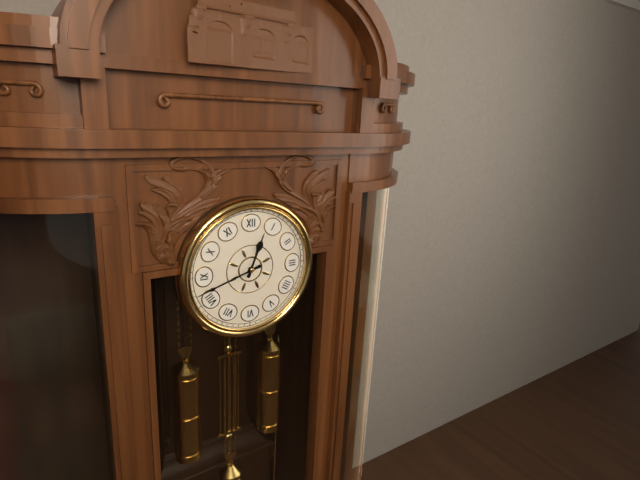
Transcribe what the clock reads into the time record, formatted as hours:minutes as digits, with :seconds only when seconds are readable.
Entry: 12:42
